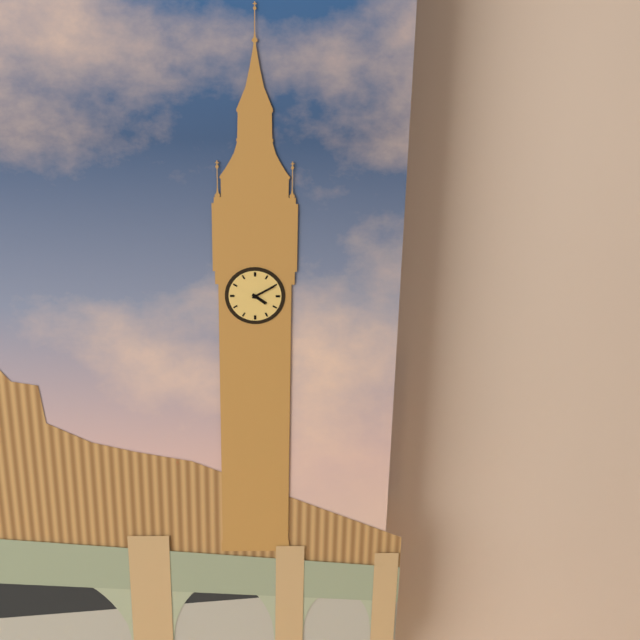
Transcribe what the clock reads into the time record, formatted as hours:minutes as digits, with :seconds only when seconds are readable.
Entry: 4:10
